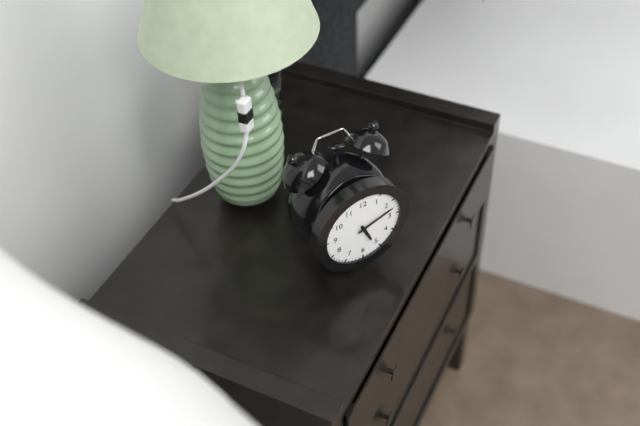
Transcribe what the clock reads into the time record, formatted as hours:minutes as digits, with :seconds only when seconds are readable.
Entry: 5:12
